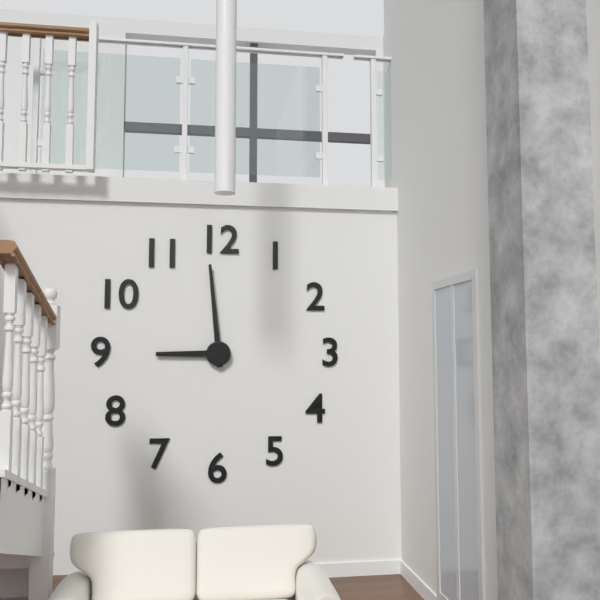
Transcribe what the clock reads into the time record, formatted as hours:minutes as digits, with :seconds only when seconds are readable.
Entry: 8:59
